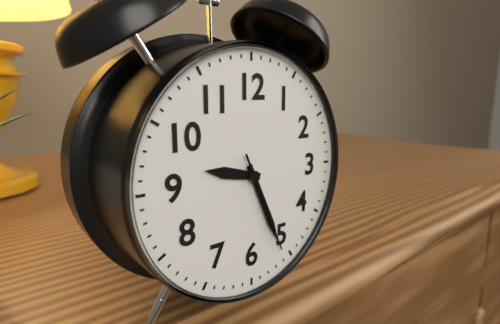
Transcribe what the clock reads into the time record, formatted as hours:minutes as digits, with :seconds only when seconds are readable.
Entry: 9:26:26
